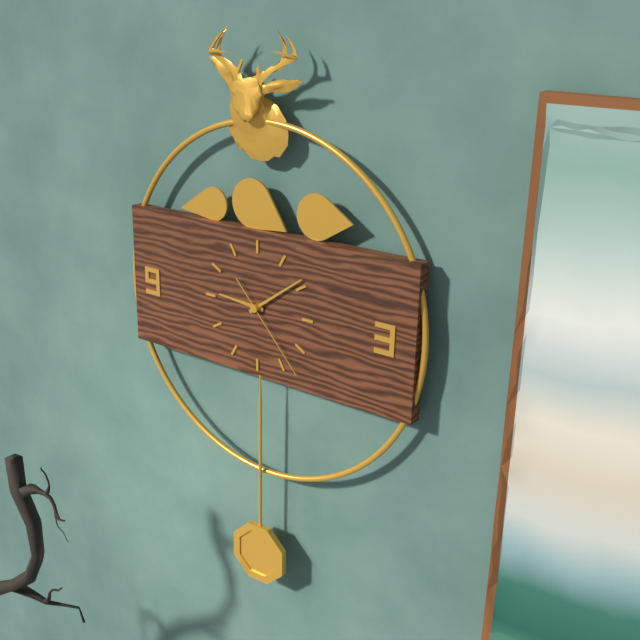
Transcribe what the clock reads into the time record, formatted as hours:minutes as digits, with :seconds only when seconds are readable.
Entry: 9:09:23
